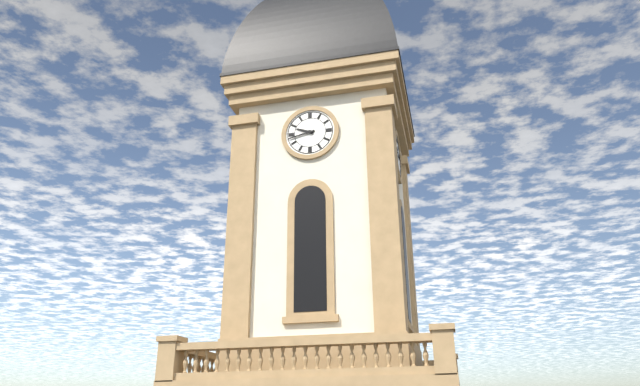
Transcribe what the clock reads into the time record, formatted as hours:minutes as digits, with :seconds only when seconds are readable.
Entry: 9:43
